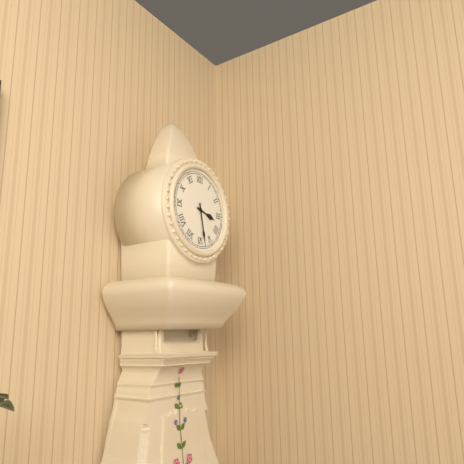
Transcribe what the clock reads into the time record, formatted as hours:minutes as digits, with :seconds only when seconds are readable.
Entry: 3:28
